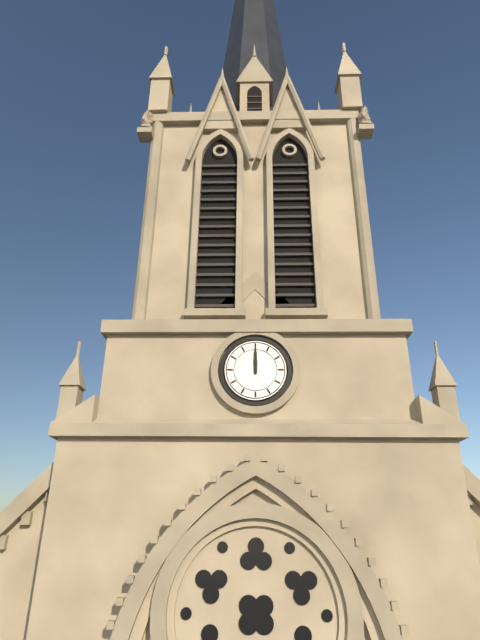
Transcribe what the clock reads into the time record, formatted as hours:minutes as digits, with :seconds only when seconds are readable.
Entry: 12:00
